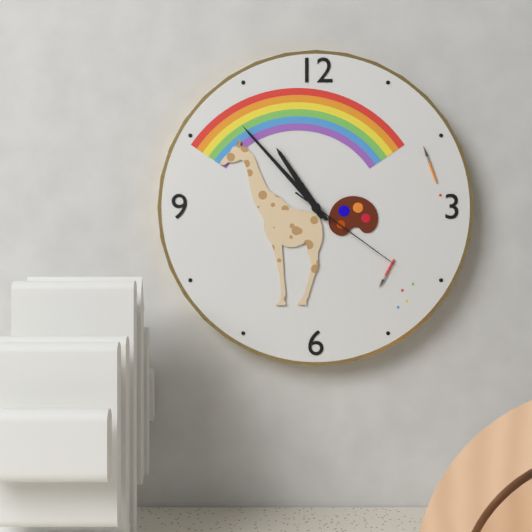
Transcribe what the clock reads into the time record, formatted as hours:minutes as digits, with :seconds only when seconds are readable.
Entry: 10:53:21
